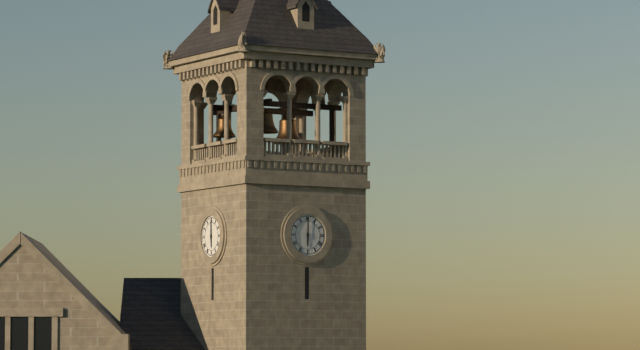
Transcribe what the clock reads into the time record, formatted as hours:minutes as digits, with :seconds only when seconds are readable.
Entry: 6:00
